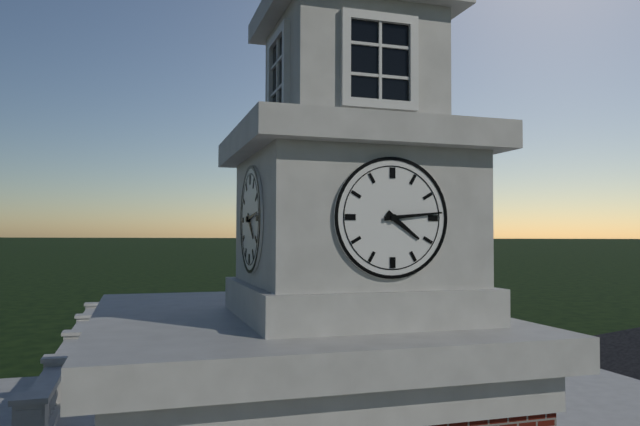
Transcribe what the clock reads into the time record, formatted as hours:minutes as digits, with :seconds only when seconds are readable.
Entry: 4:14
